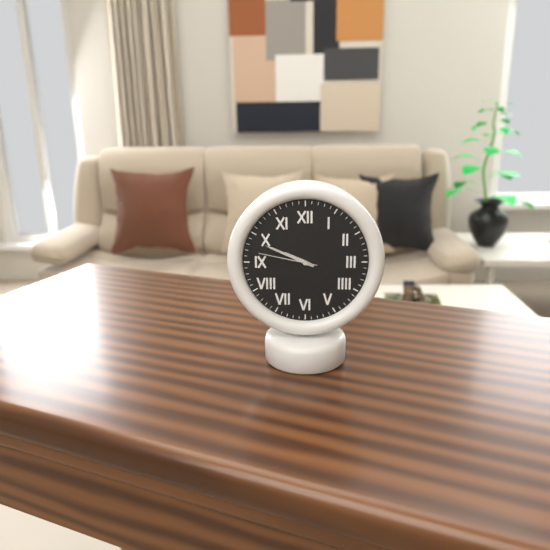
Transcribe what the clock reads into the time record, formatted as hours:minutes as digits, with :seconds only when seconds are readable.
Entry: 9:49:47
